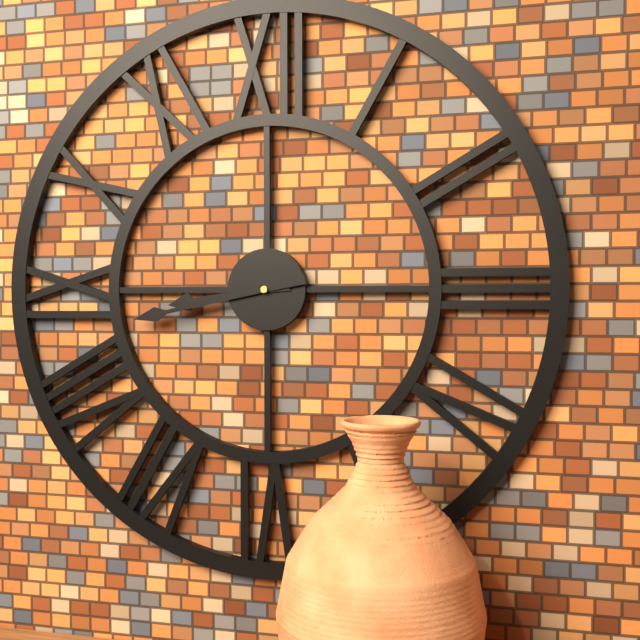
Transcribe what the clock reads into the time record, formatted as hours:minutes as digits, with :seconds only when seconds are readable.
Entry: 8:43
